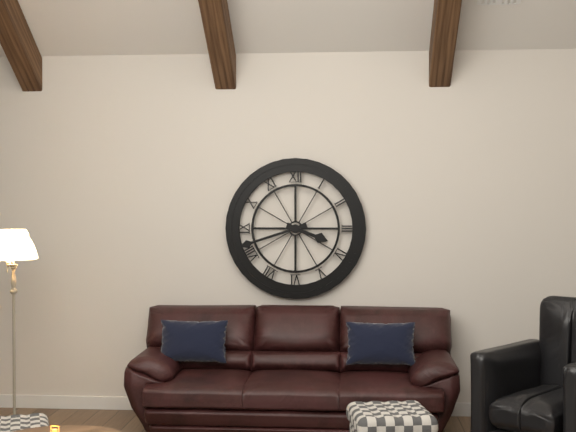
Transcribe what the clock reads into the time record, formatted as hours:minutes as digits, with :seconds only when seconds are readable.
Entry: 3:42
